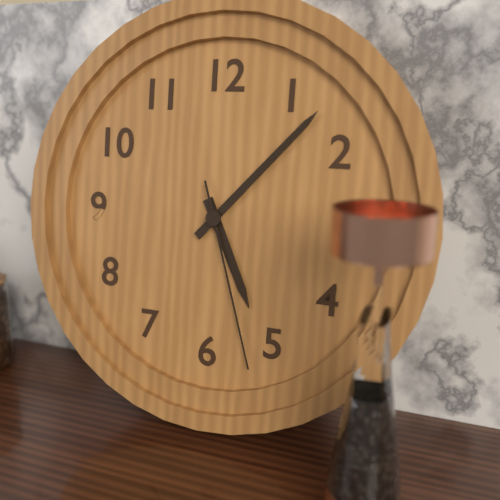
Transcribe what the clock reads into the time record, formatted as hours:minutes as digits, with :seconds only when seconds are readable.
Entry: 5:07:27
